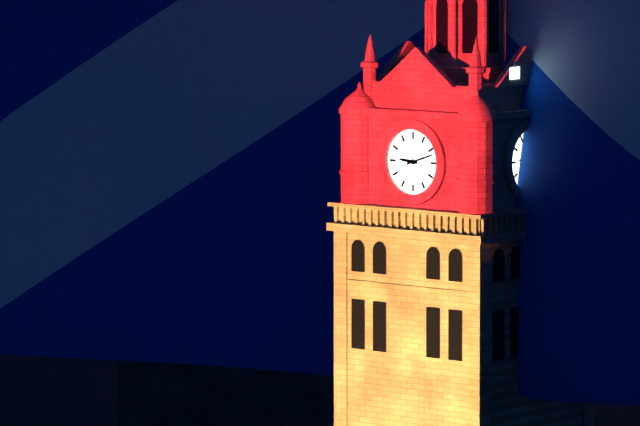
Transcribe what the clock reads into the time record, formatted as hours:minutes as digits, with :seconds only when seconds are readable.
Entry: 9:12
